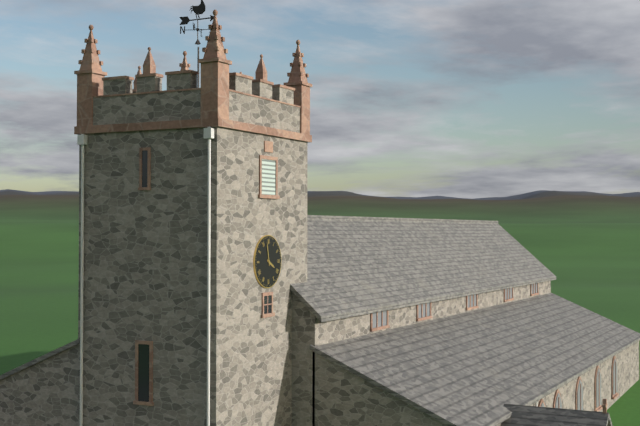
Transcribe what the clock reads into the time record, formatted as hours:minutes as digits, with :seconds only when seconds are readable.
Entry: 3:58
